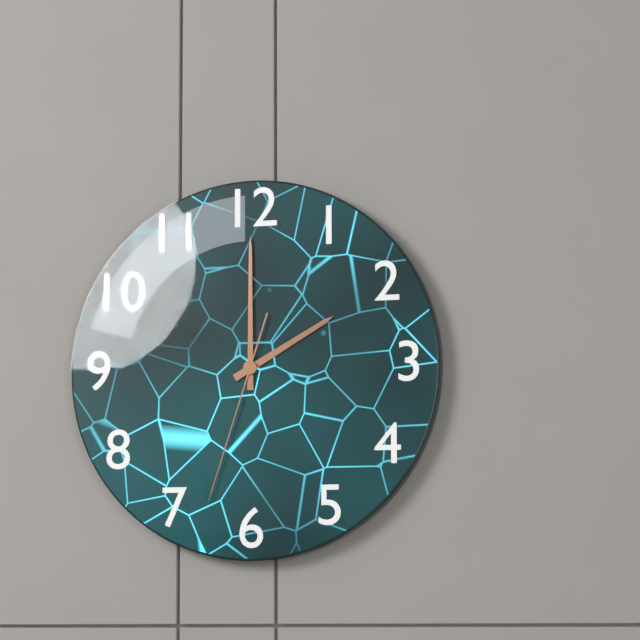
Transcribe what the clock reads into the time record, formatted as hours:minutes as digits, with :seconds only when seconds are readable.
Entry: 2:00:33
